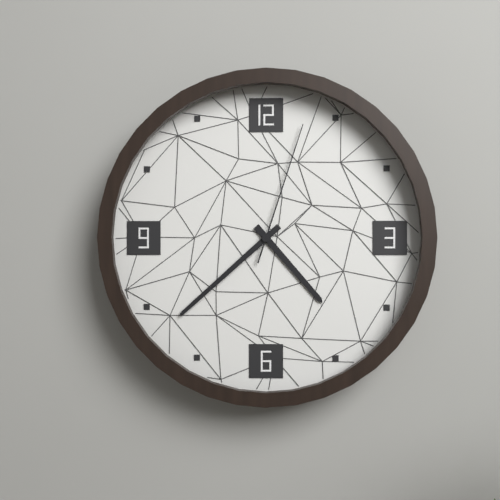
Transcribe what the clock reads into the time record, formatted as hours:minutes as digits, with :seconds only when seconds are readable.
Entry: 4:38:03
